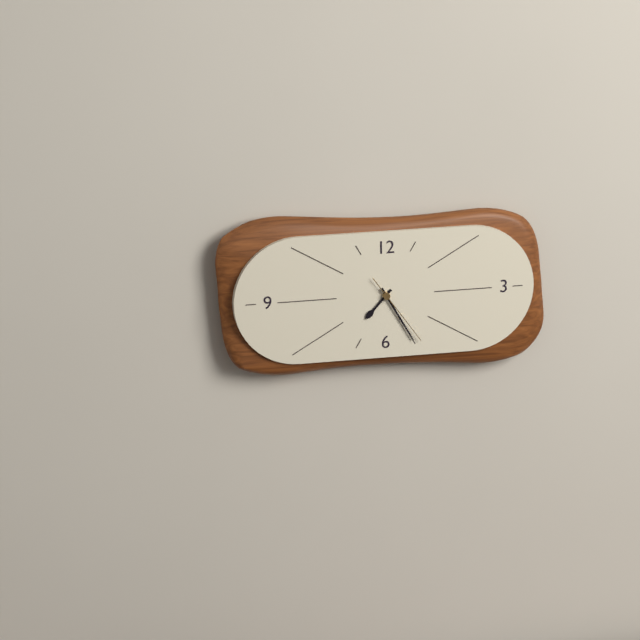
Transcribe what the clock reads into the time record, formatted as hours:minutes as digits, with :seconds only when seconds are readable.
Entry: 7:25:24
